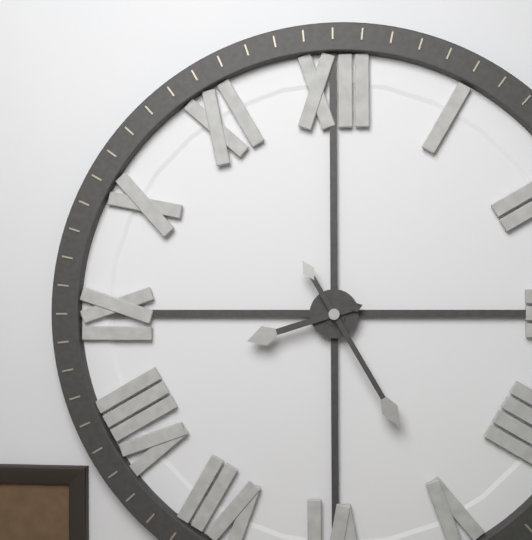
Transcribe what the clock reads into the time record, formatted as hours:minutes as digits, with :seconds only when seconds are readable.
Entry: 8:25
